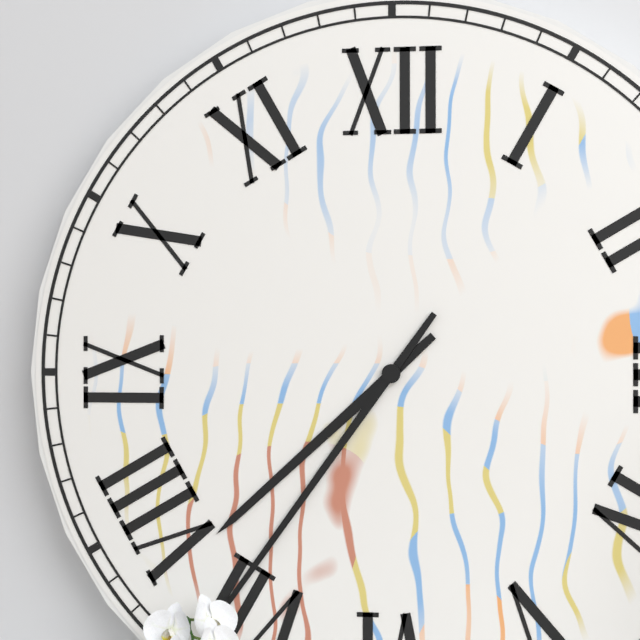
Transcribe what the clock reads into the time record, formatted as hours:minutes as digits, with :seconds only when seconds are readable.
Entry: 7:36
